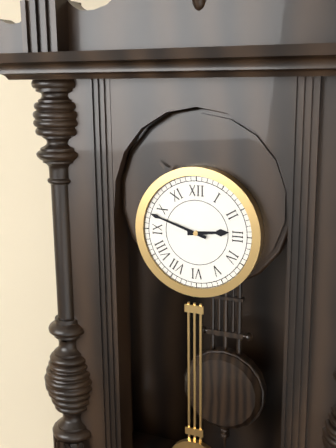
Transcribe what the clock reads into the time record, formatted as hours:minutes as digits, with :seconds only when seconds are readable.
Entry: 2:48
